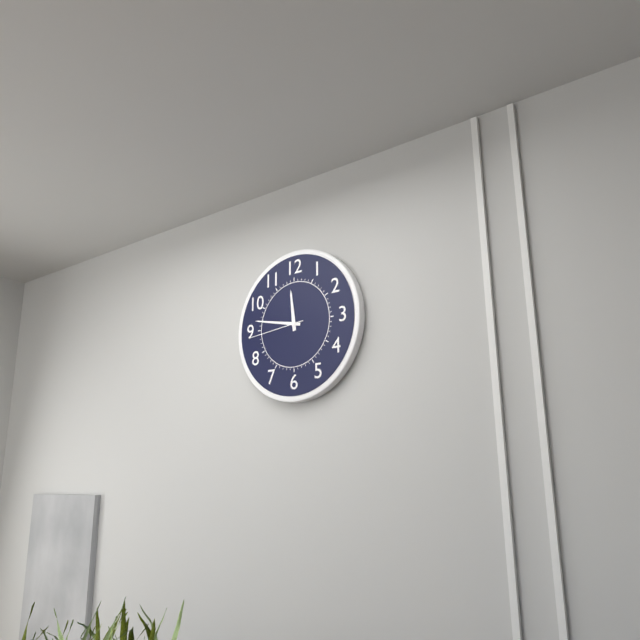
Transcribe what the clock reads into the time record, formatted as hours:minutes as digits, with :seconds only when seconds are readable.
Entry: 11:47:44
